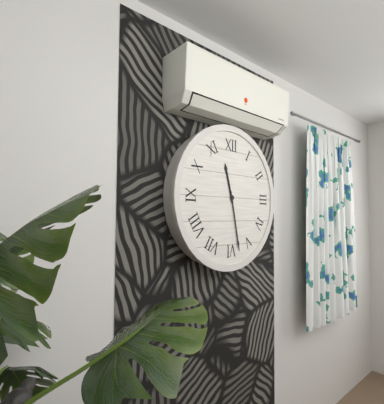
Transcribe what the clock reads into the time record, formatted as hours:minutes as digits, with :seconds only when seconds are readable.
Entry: 11:28
